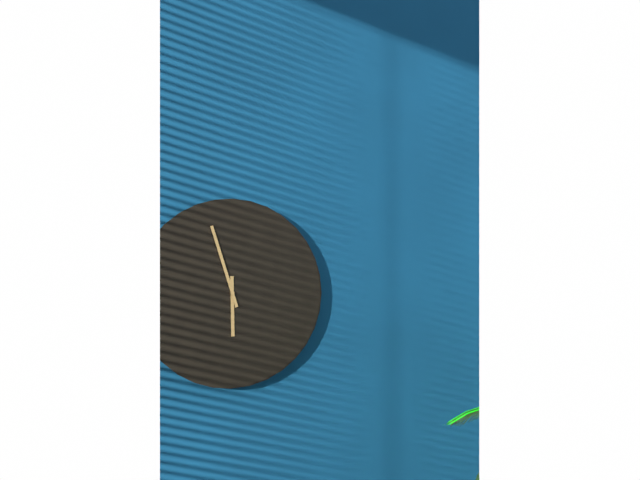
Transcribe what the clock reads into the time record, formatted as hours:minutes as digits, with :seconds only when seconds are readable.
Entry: 5:57
